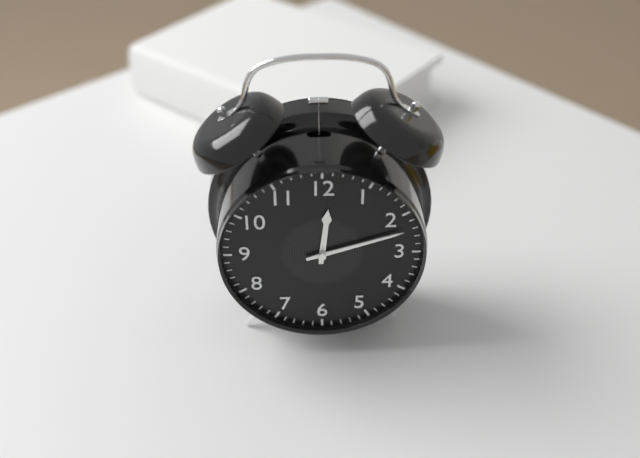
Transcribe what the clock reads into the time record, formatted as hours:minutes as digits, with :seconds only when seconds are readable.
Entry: 12:12
